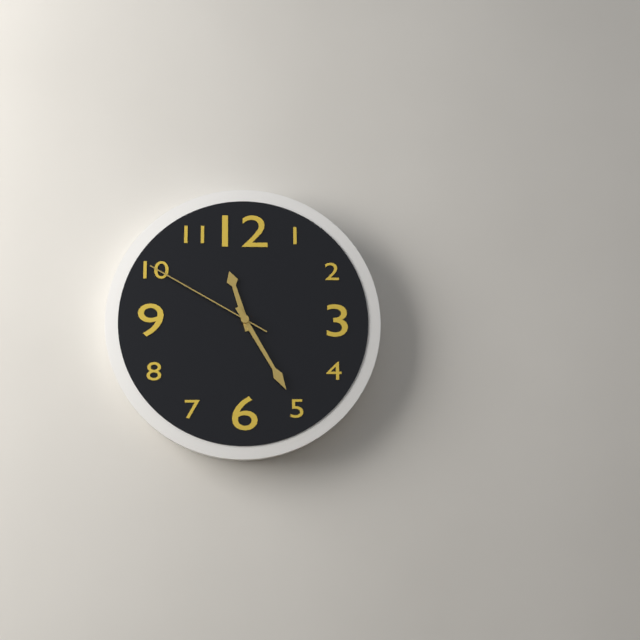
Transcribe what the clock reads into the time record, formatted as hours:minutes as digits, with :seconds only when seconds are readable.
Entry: 11:25:50
